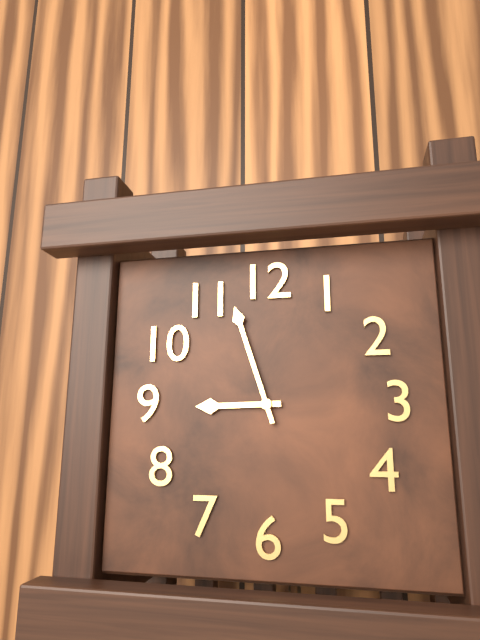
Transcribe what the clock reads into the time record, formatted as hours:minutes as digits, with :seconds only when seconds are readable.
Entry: 8:57
